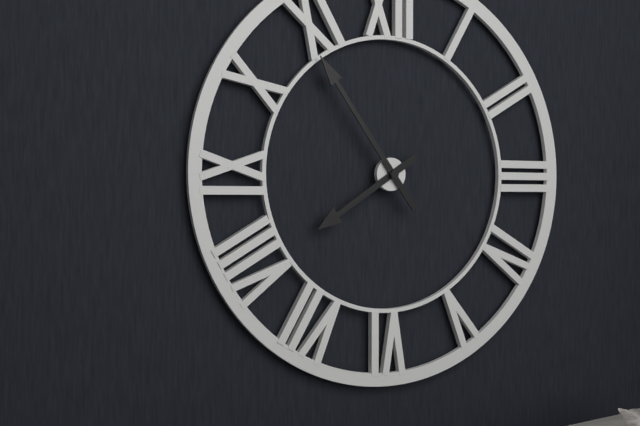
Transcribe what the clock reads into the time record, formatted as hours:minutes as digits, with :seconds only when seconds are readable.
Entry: 7:54
